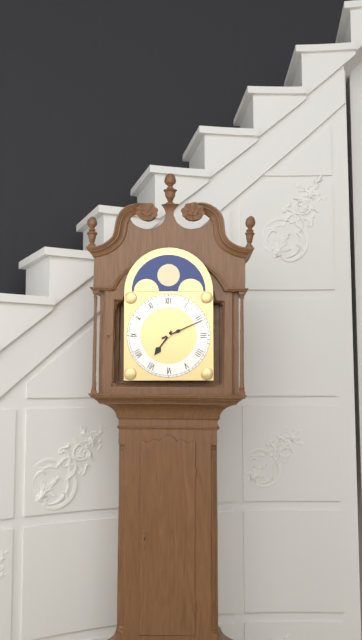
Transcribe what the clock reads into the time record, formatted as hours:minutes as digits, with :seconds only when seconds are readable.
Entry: 7:11
